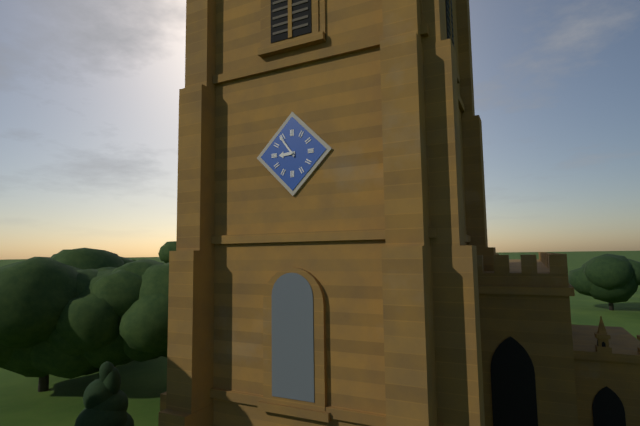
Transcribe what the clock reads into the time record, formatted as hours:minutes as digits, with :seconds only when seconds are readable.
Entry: 8:54
